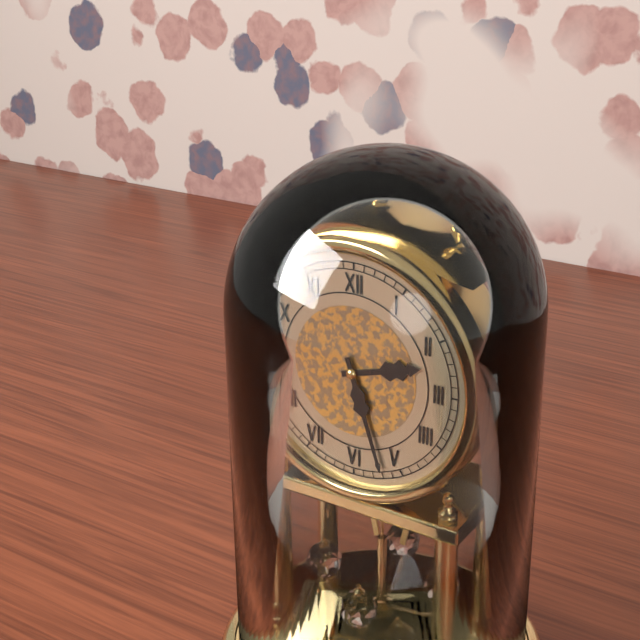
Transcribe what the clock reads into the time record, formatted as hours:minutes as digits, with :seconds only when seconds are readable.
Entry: 2:27
